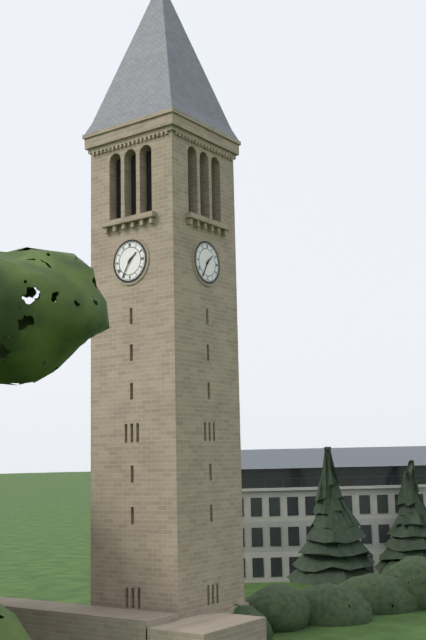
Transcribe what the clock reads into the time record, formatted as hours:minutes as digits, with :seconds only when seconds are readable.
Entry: 1:35
